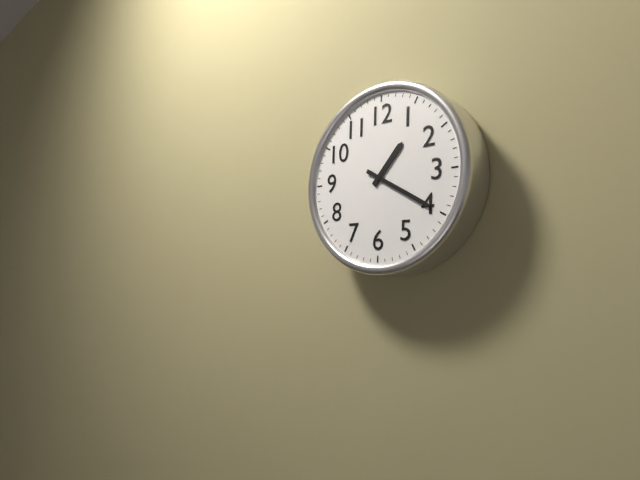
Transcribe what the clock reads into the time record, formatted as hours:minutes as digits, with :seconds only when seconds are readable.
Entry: 1:20
